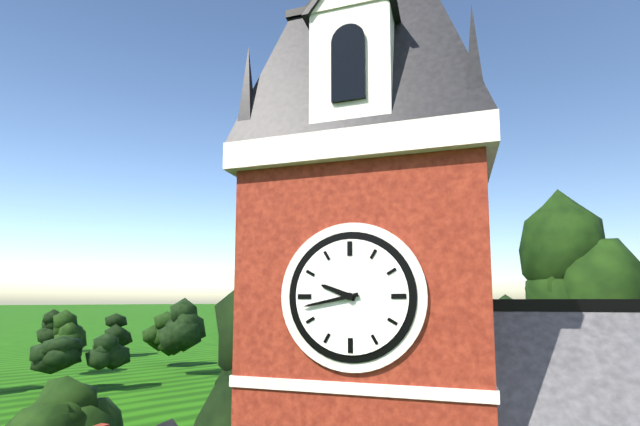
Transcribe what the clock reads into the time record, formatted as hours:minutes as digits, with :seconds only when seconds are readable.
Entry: 9:43
